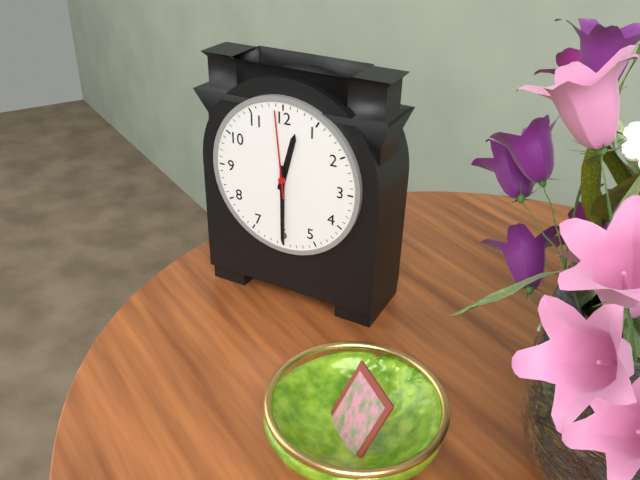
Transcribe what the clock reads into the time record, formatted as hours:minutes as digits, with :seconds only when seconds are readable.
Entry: 12:30:59
